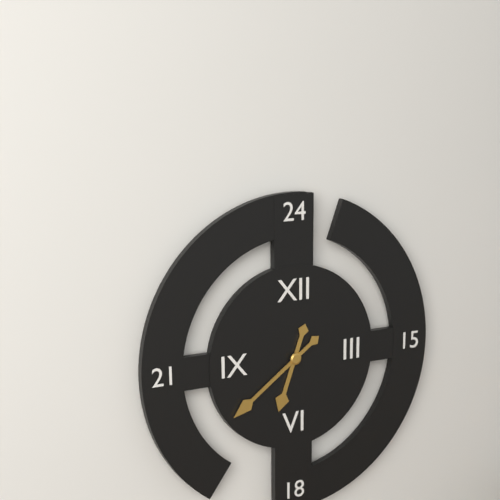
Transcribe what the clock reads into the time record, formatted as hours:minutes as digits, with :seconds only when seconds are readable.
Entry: 6:39
